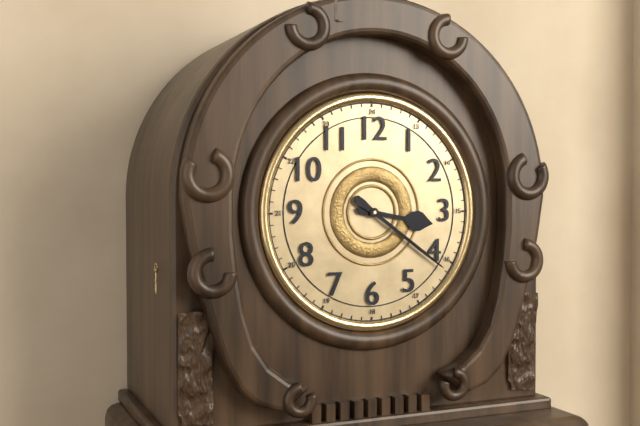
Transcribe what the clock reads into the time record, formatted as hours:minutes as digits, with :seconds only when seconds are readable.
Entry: 3:21
